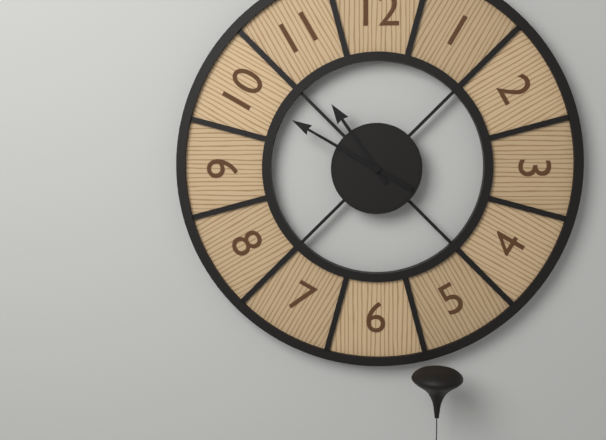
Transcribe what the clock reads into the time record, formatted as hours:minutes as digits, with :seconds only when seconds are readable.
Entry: 10:50
